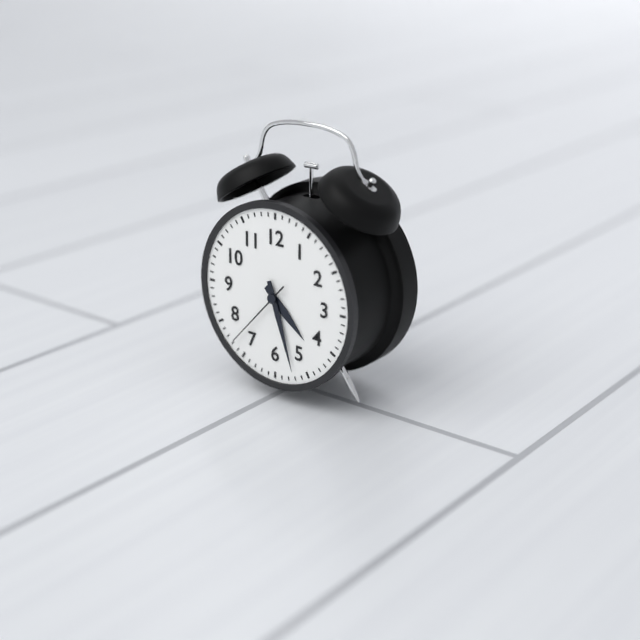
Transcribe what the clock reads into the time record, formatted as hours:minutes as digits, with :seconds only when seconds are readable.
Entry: 4:27:37
